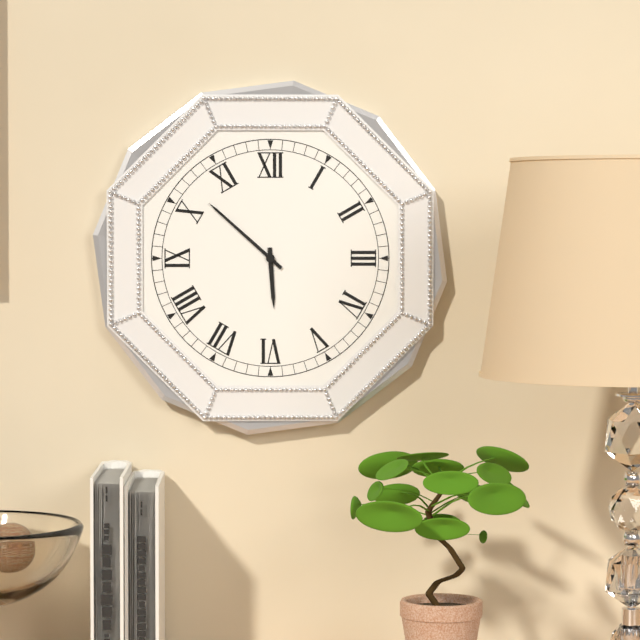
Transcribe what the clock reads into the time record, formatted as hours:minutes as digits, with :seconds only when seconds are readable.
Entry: 5:52
